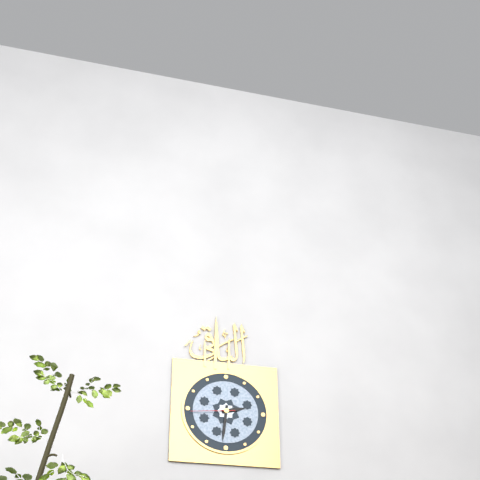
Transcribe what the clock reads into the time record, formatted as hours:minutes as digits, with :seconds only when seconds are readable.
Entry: 2:31
